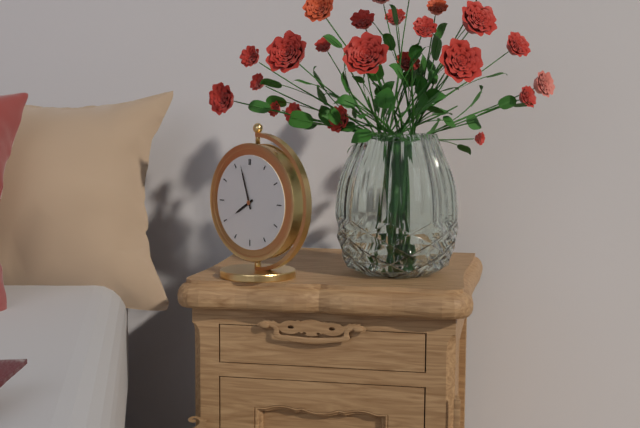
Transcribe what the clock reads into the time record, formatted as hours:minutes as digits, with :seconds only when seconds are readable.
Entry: 7:57
